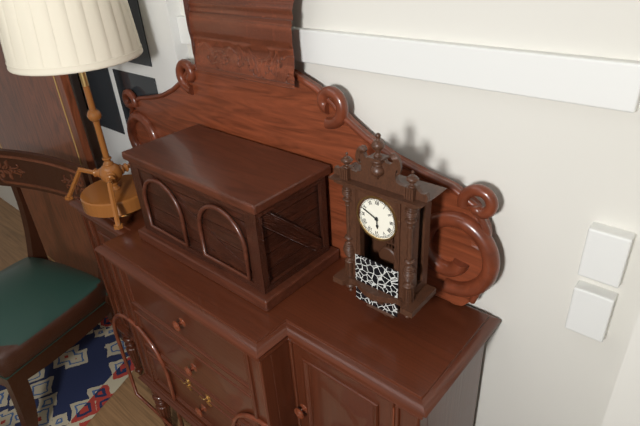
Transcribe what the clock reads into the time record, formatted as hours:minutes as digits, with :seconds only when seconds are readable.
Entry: 5:49
